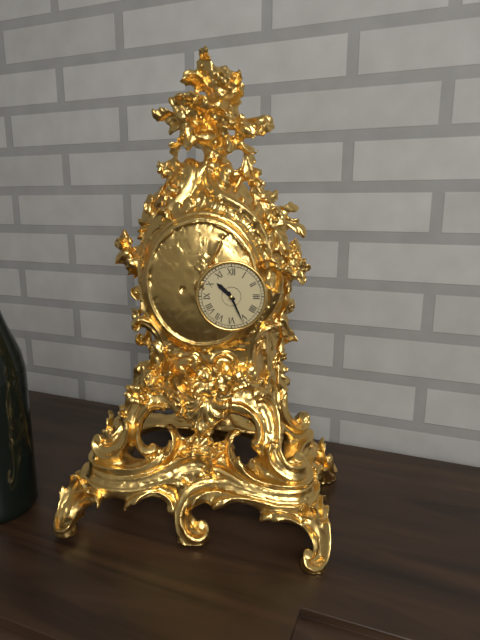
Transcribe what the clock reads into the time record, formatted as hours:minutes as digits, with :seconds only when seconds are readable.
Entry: 10:26
